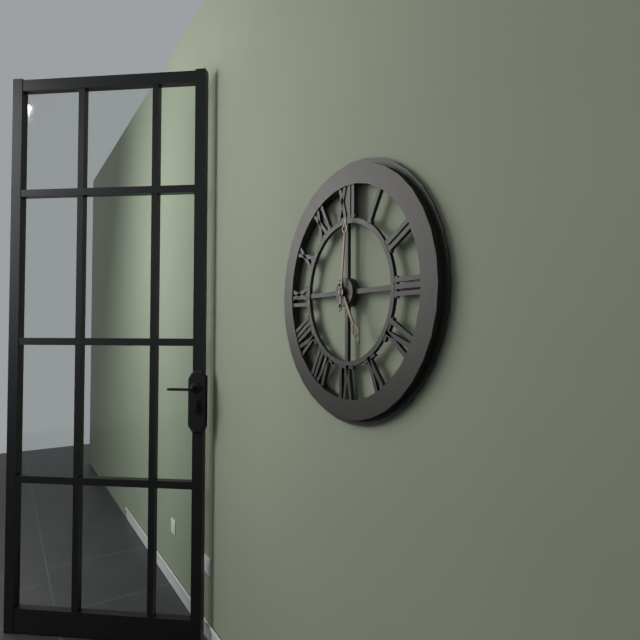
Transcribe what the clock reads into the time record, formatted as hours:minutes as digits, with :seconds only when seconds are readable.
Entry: 5:01
